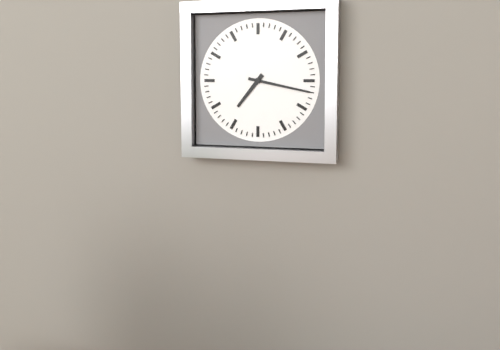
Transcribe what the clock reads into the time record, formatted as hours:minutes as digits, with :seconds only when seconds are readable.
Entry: 7:17
